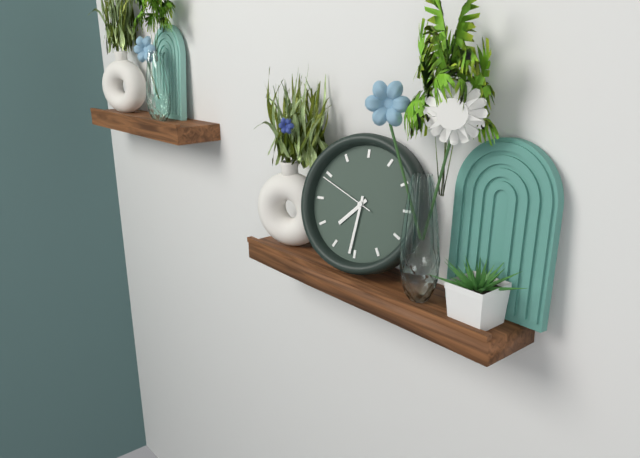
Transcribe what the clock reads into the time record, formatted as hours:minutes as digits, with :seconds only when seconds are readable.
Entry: 7:31:49
